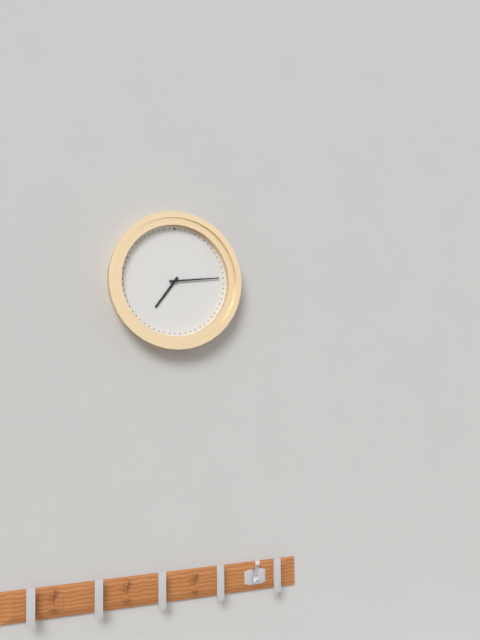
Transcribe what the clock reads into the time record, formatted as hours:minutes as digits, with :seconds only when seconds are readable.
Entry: 7:14
